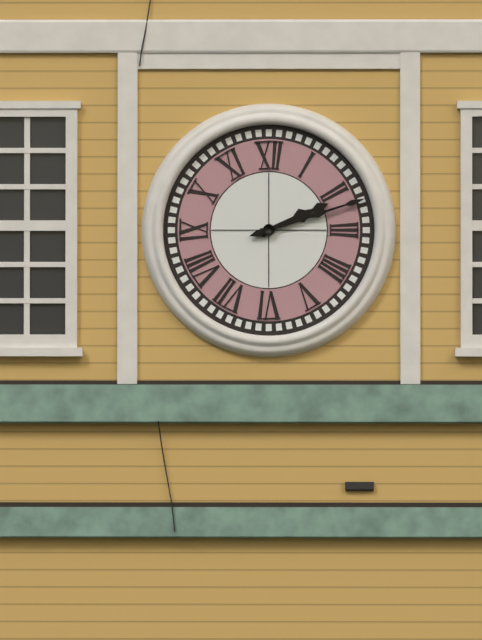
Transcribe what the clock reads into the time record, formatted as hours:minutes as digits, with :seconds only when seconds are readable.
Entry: 2:12
